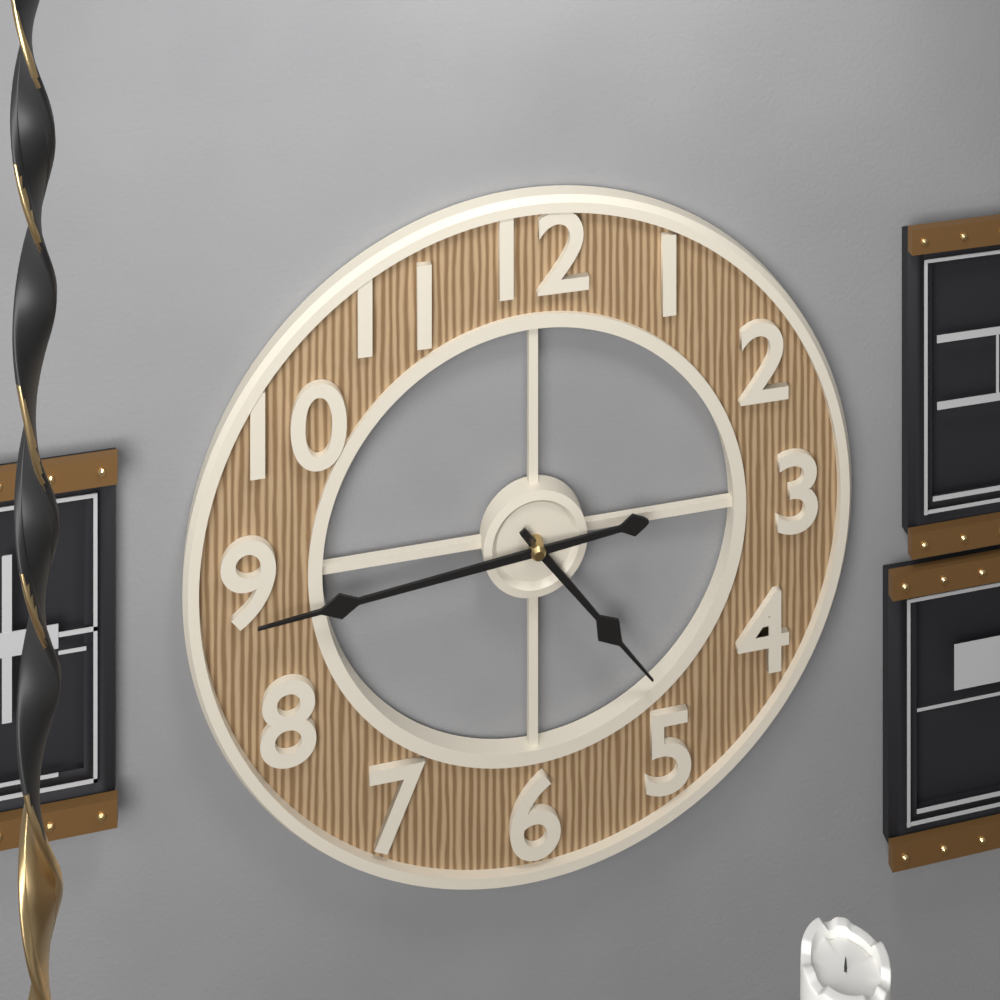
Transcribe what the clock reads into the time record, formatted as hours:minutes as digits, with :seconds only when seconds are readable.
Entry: 4:44
